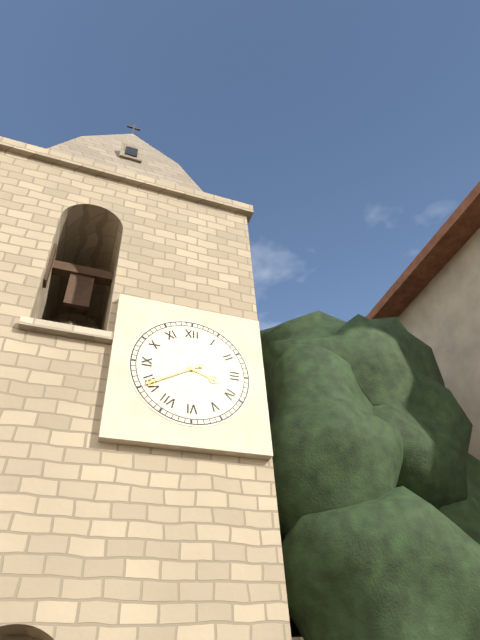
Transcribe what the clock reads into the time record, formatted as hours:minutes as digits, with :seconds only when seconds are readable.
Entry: 3:40
